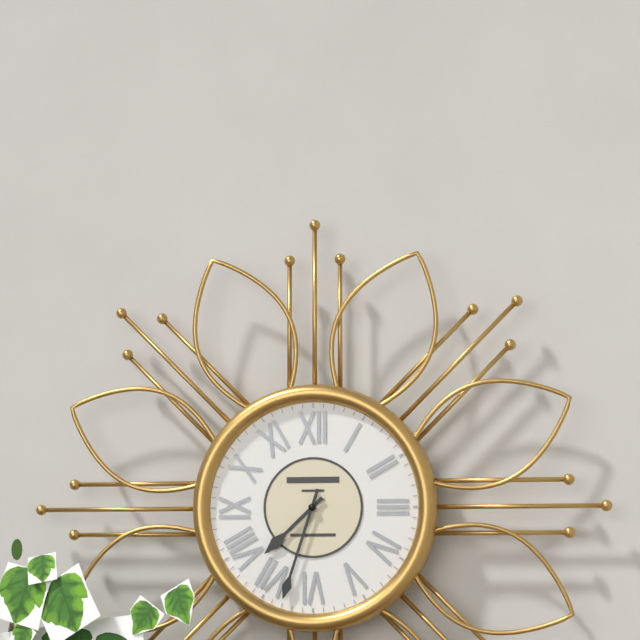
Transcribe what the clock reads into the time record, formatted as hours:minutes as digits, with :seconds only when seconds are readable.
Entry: 7:33
